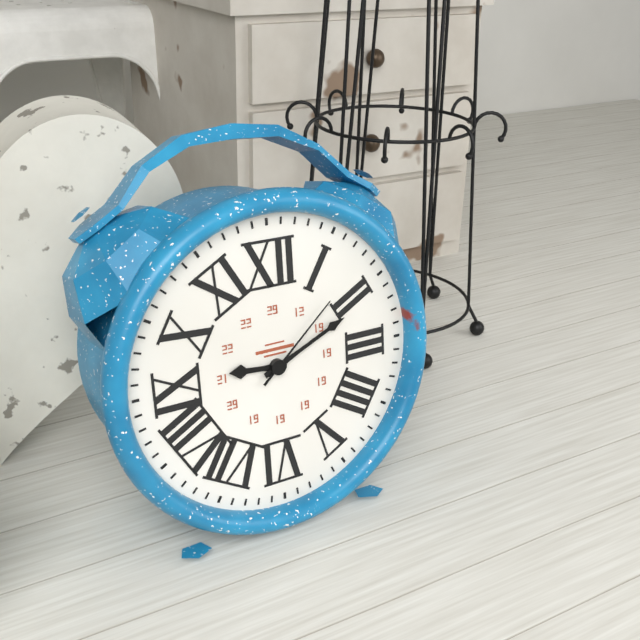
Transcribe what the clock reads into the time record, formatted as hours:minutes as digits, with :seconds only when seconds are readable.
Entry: 9:11:08
